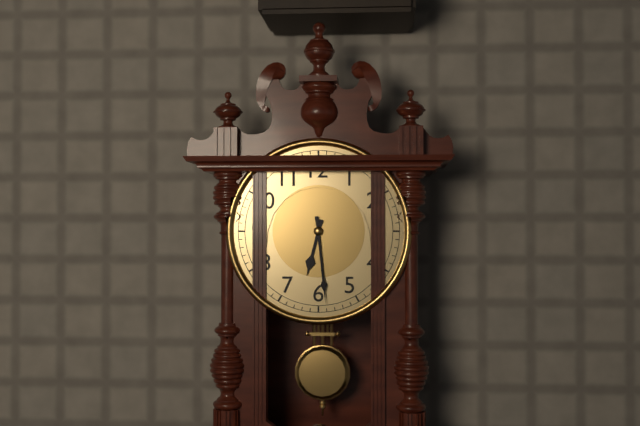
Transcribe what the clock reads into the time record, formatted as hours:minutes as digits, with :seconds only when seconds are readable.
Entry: 6:29
